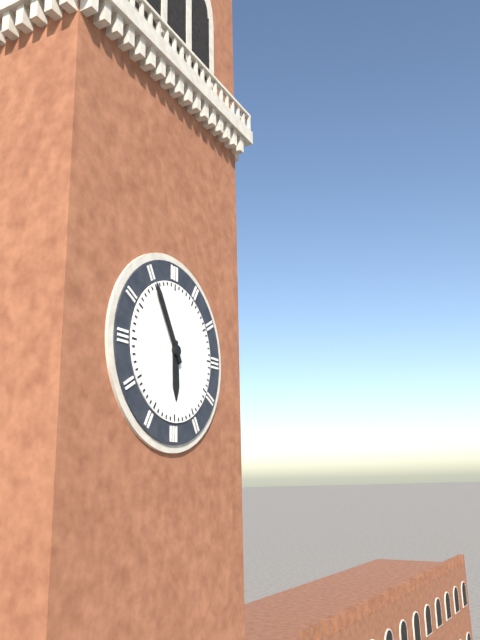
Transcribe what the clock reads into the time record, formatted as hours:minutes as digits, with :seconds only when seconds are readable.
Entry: 5:55
